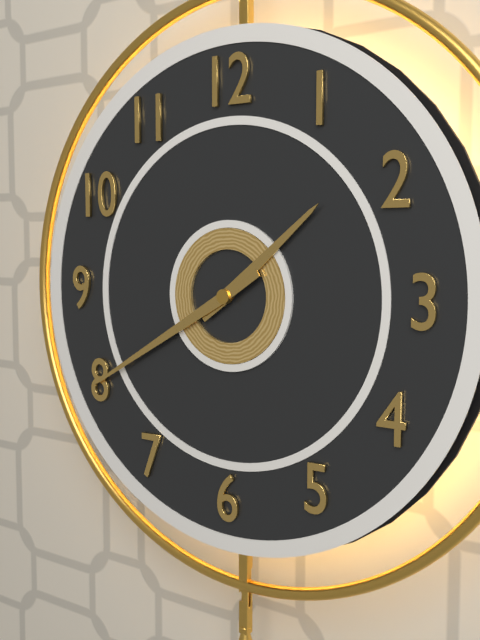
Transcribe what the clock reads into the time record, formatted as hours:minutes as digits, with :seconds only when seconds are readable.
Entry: 1:40
